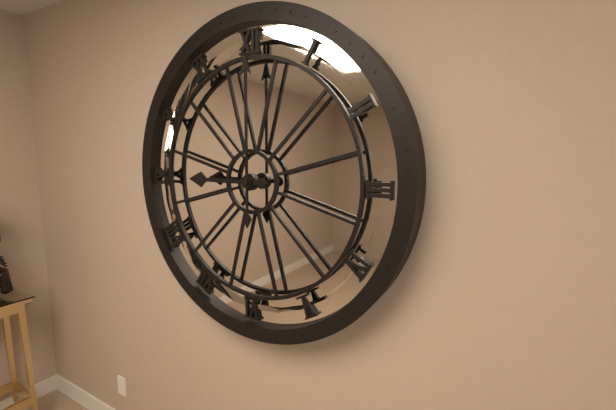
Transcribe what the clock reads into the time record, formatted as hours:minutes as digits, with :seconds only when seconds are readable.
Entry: 9:00
